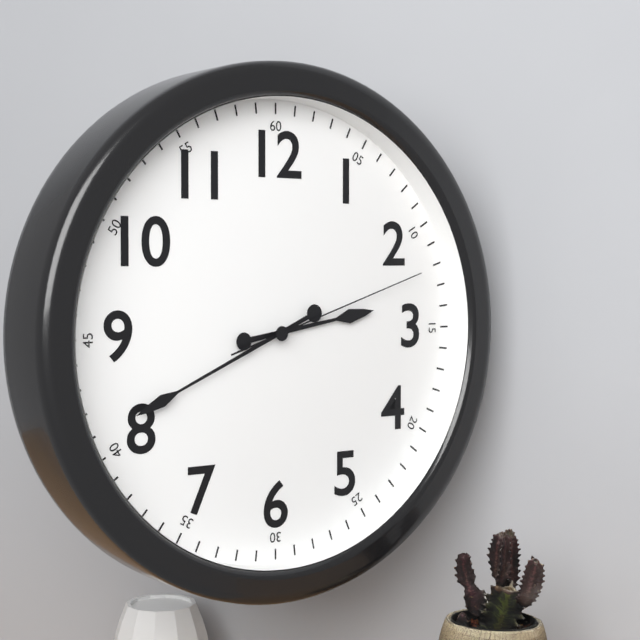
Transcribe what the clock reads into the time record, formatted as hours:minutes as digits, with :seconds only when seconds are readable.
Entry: 2:41:12
